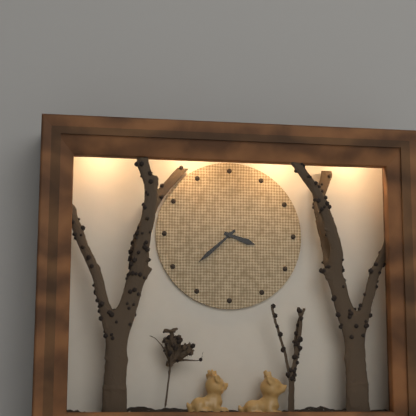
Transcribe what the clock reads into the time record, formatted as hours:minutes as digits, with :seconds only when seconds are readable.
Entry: 3:38
